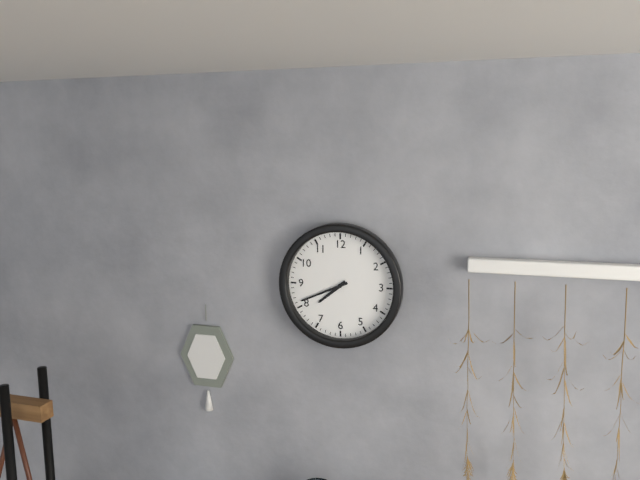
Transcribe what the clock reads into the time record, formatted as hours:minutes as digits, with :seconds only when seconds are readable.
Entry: 7:41
